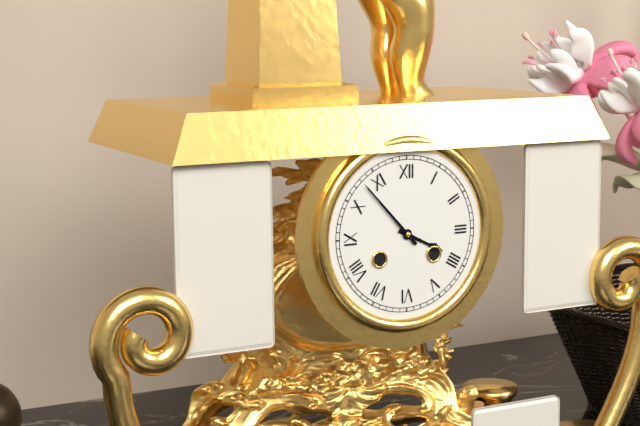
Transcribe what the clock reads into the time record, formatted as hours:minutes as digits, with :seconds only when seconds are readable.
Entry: 3:53
